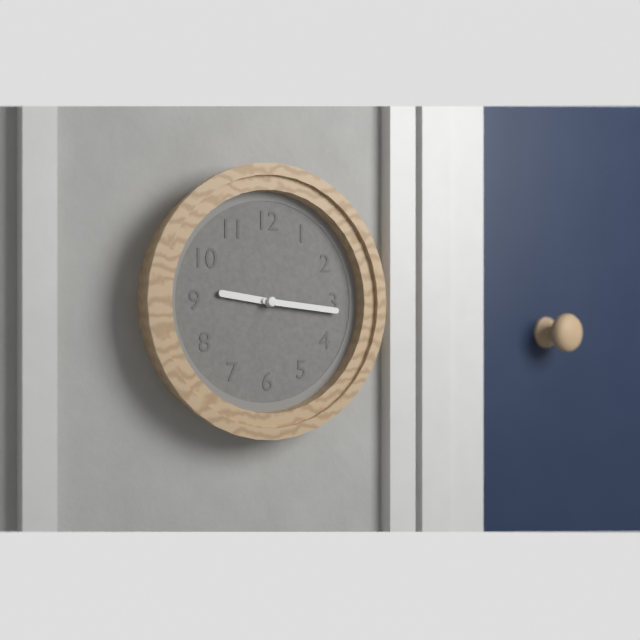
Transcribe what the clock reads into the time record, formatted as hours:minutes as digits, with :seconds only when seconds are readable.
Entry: 9:16
